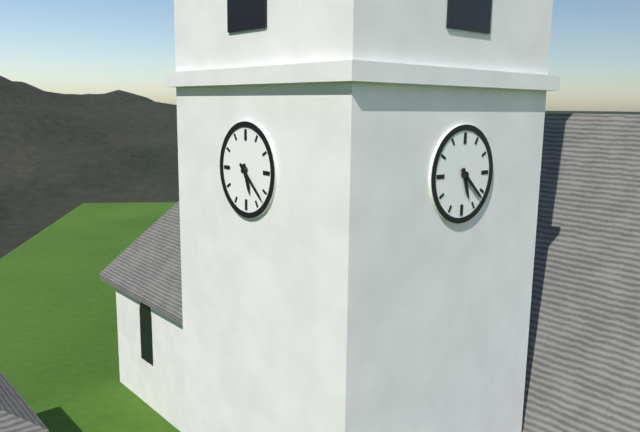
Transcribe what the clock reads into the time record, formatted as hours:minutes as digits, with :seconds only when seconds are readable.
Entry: 5:22
